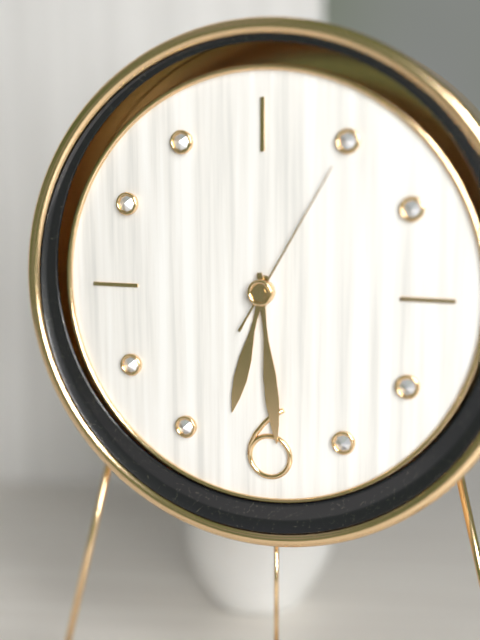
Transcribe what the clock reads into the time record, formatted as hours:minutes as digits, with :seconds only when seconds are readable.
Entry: 6:29:05
